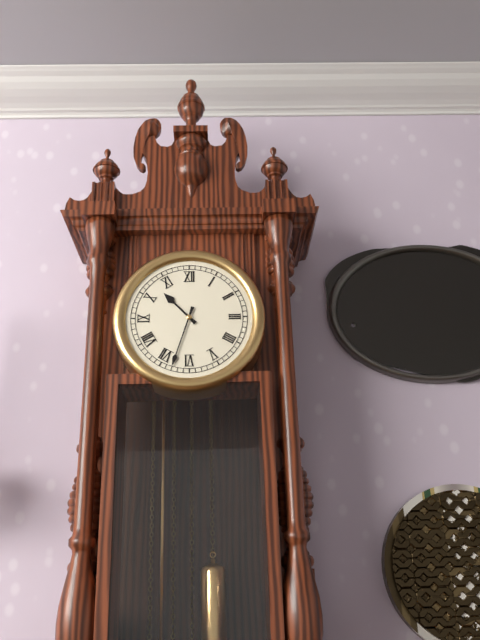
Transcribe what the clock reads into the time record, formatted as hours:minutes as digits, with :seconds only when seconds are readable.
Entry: 10:33
